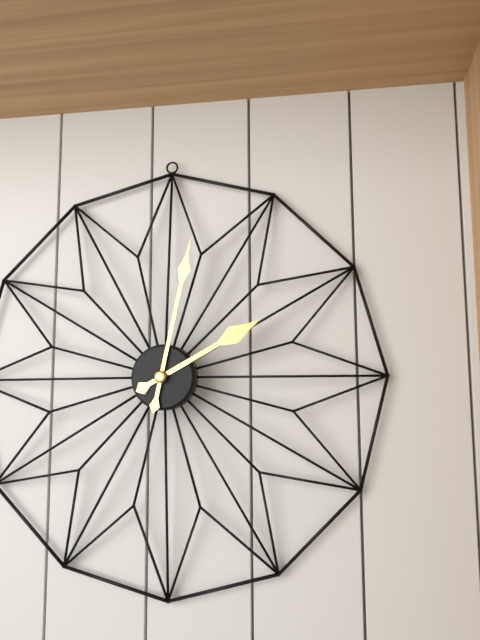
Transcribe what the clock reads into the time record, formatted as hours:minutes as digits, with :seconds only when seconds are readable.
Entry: 2:02
